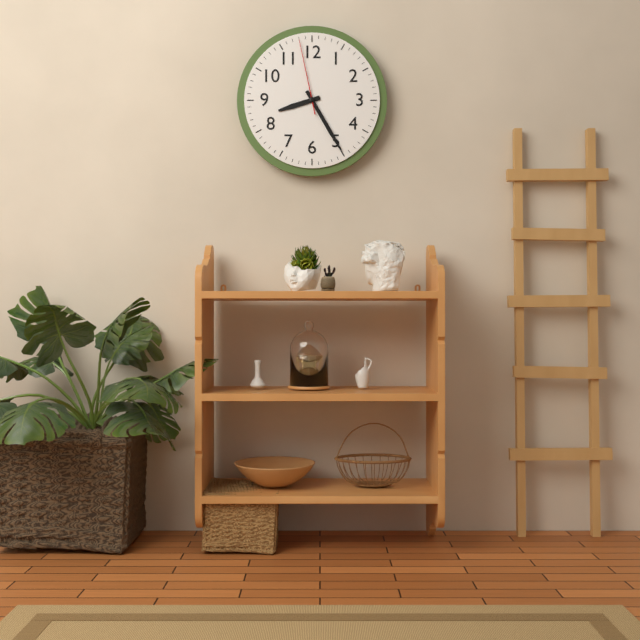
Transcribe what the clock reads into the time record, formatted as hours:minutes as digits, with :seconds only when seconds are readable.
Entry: 8:25:58
